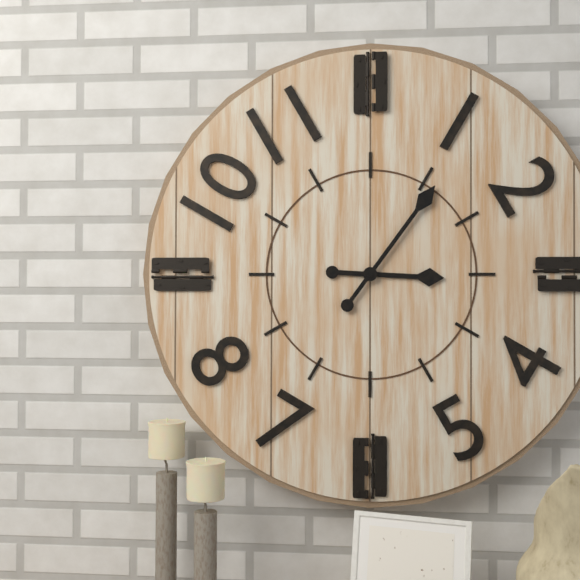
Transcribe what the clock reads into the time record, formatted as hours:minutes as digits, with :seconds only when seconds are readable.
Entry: 3:06
